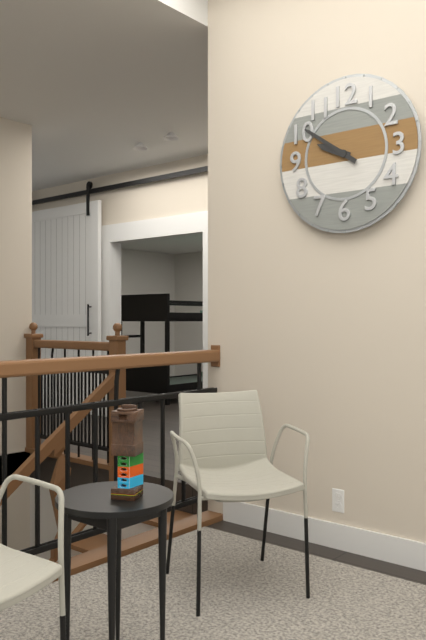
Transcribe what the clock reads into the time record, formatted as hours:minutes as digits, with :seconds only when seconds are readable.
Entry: 9:51
